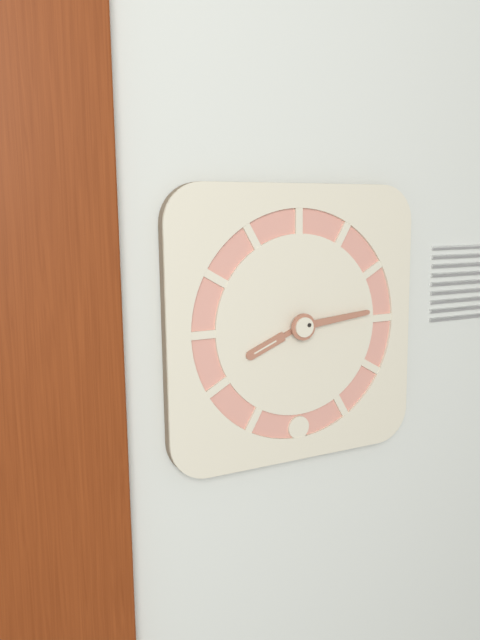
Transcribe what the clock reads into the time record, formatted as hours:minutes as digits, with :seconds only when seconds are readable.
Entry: 8:14
